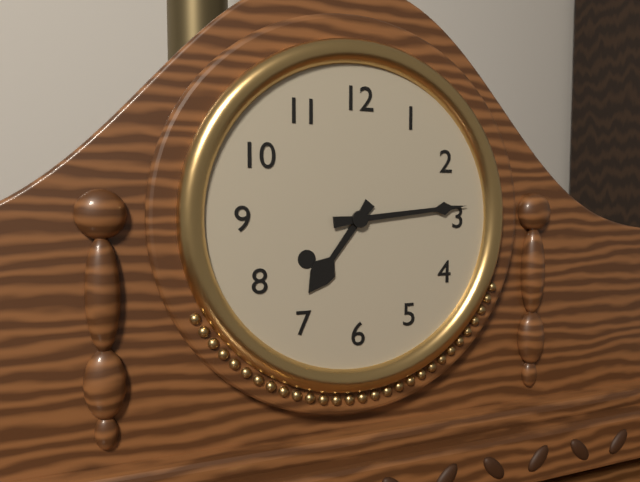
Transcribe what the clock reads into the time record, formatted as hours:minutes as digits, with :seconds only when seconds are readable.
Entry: 7:14
